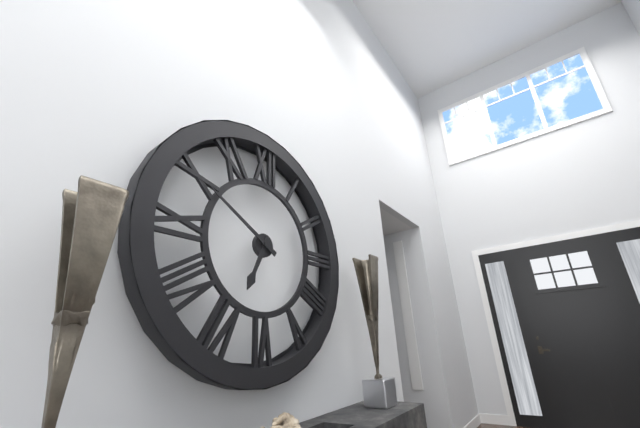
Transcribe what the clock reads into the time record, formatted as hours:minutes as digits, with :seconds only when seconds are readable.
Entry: 6:50
